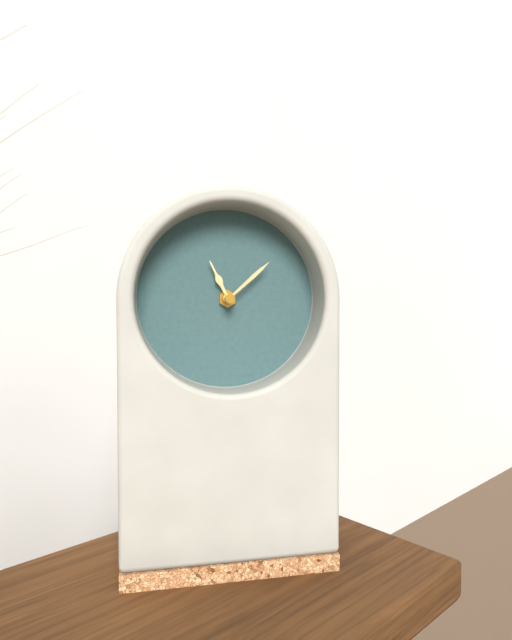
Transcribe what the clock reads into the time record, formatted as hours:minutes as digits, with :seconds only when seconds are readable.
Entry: 11:08
